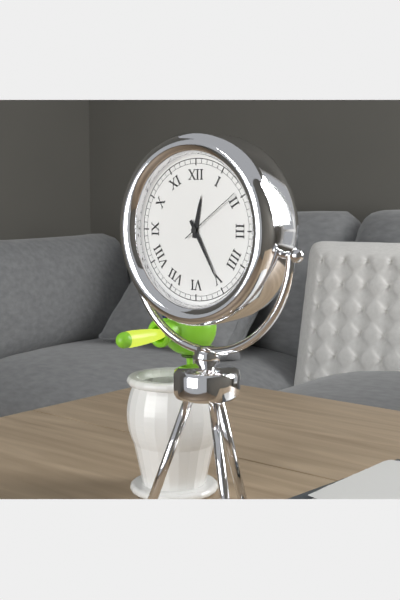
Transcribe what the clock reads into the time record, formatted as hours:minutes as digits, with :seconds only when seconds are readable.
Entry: 12:25:09
